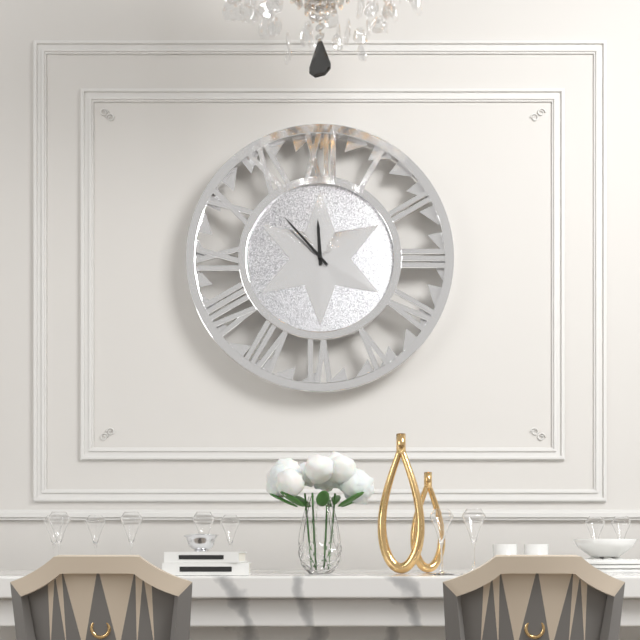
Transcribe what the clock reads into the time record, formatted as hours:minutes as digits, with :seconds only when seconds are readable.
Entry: 11:53
